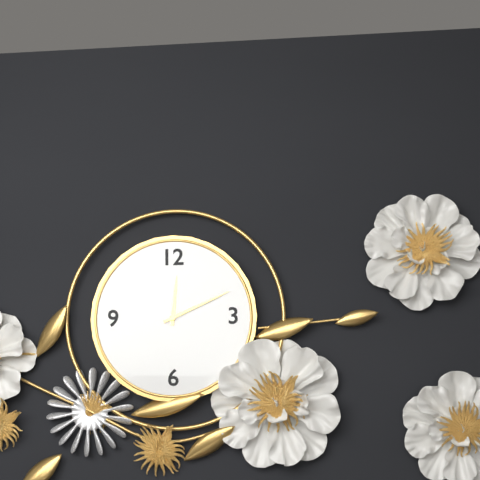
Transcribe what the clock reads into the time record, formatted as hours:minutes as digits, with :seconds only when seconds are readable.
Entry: 12:11
